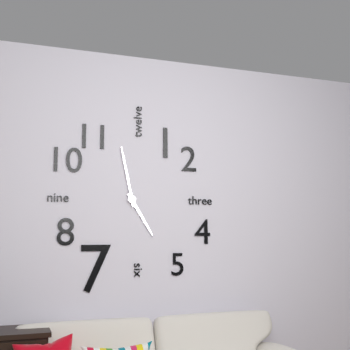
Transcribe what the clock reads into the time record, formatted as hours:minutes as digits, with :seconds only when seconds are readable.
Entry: 4:58
